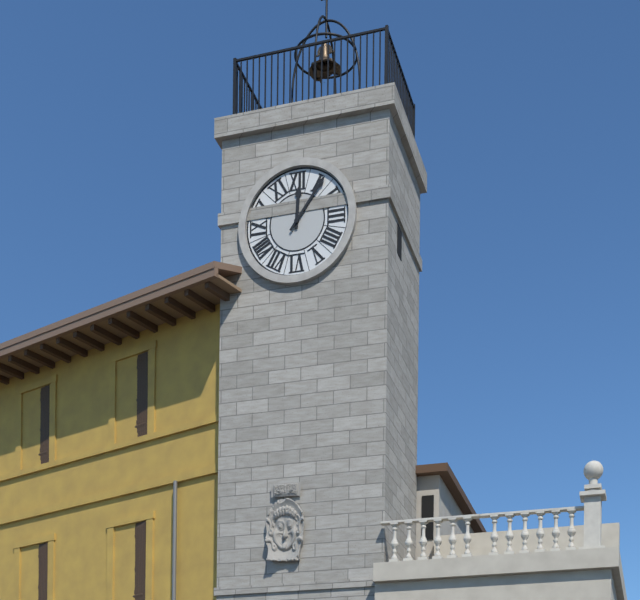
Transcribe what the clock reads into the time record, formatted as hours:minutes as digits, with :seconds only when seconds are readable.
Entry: 12:06
